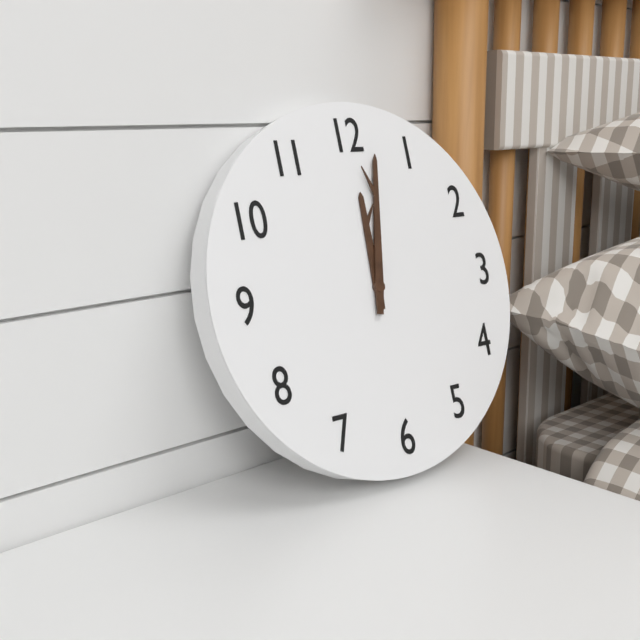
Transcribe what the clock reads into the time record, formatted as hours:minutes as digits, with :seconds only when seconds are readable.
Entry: 12:02
